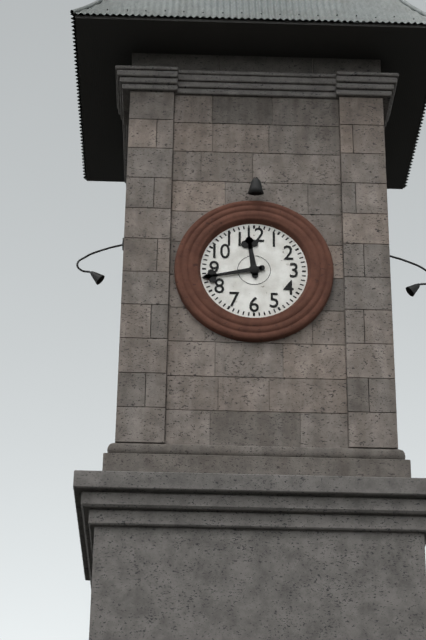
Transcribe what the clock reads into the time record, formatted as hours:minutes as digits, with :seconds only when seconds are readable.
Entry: 11:43
